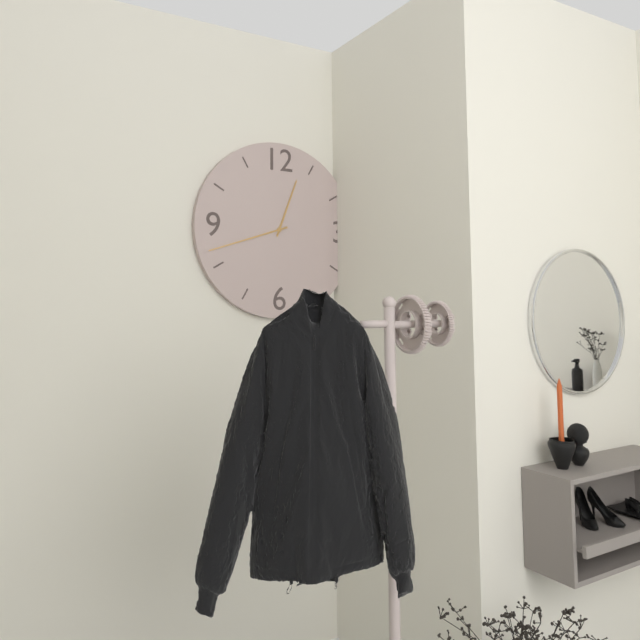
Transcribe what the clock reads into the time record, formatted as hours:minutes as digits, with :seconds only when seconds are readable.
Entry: 12:42
